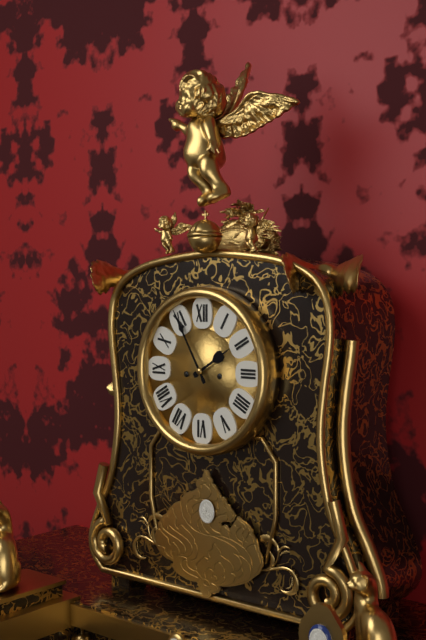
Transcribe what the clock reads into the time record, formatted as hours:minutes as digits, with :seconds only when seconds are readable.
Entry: 1:55
